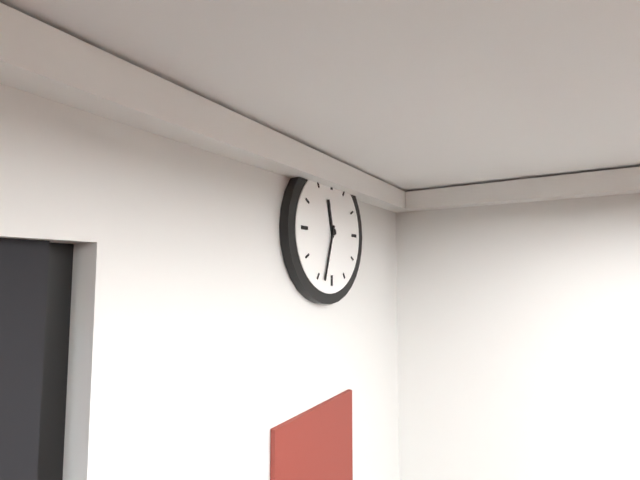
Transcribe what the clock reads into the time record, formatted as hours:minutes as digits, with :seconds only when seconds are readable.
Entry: 11:33
